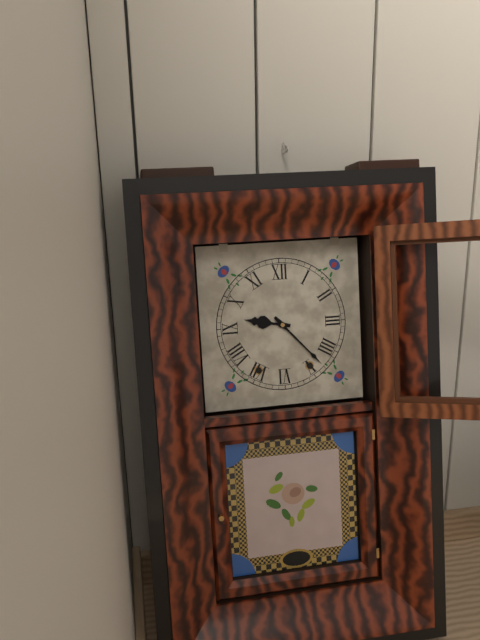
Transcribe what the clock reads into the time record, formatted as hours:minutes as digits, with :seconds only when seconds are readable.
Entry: 9:23
